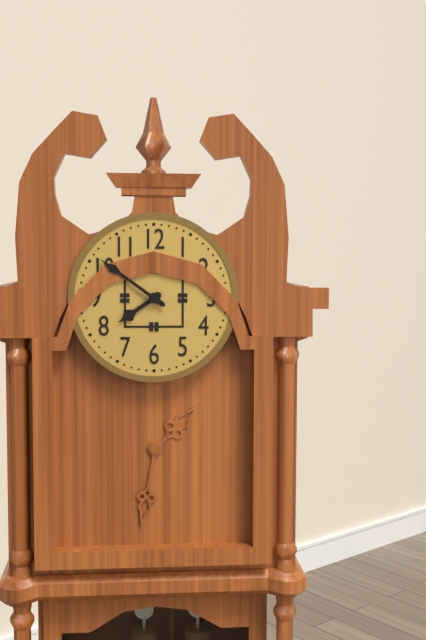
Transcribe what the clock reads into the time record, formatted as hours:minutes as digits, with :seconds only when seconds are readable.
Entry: 7:51
